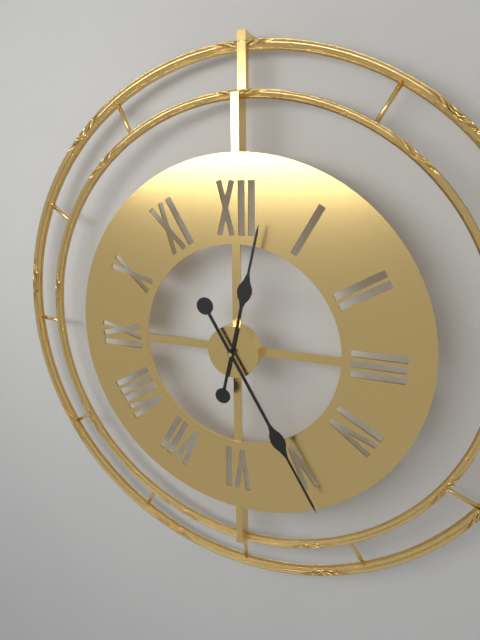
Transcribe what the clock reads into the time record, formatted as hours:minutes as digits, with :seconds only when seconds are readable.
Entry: 12:25
